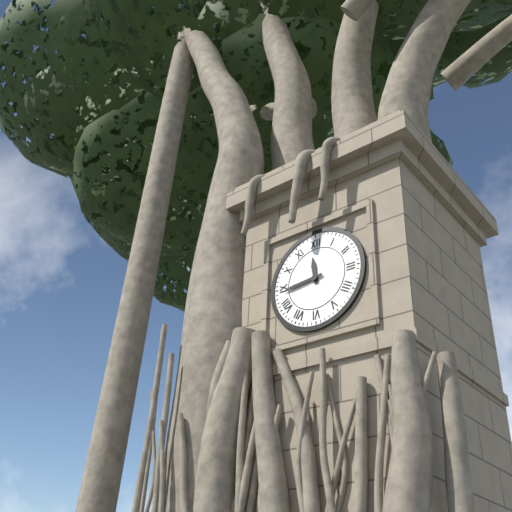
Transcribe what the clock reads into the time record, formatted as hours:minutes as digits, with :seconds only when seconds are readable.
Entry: 11:44
